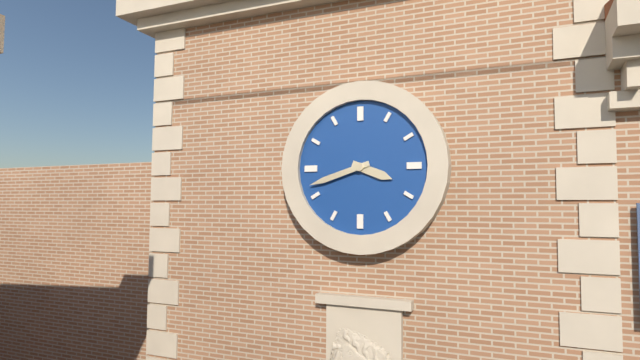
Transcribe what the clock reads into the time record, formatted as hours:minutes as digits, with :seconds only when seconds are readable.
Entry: 3:42
